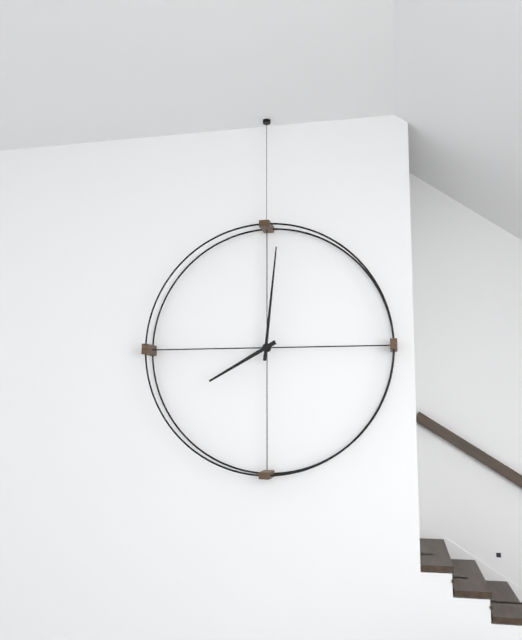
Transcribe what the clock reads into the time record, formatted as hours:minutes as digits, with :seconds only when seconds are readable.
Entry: 8:01
